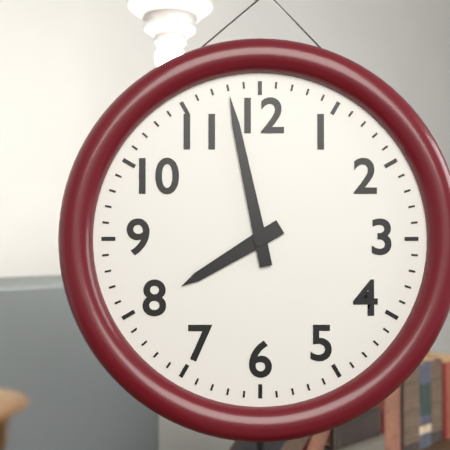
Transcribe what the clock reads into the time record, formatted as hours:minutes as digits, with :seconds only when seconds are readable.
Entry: 7:58
